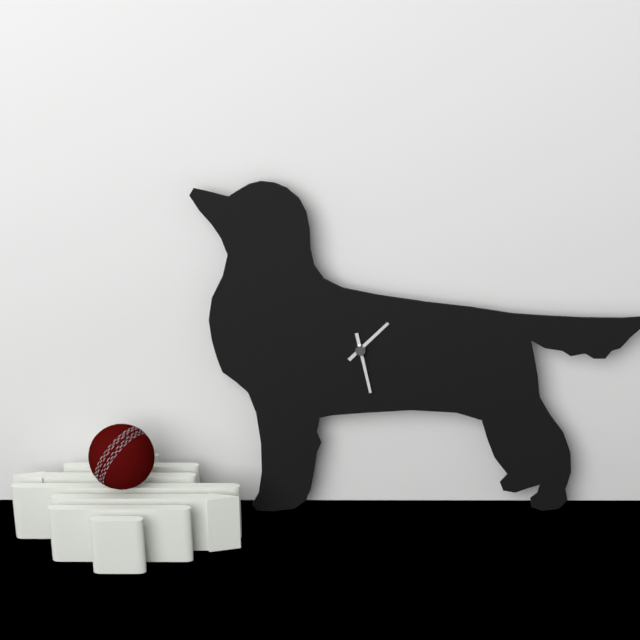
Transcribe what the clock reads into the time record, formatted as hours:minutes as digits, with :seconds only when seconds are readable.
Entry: 1:28
